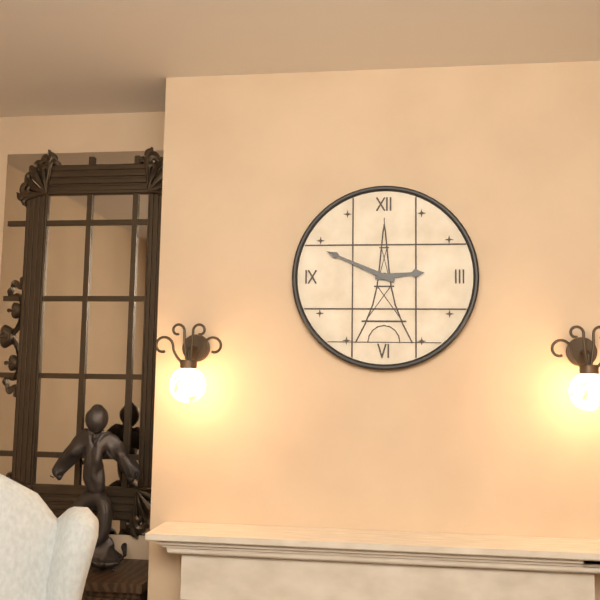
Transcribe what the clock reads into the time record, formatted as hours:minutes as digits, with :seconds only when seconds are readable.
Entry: 2:49
